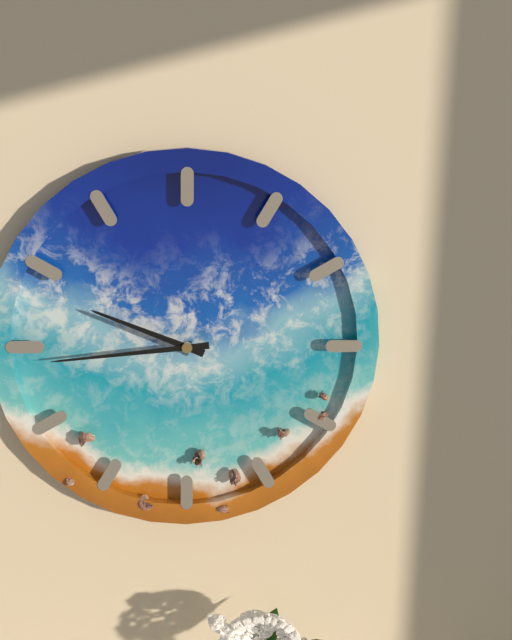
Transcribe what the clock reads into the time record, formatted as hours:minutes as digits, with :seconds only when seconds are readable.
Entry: 9:44
